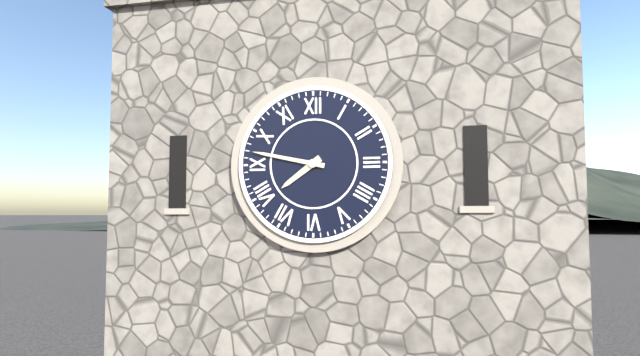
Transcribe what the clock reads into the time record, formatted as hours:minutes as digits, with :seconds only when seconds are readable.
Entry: 7:47
